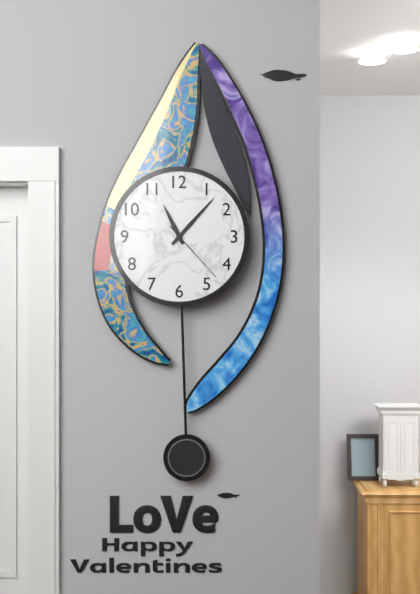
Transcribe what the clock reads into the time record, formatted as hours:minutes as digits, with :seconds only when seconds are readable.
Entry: 11:07:23
